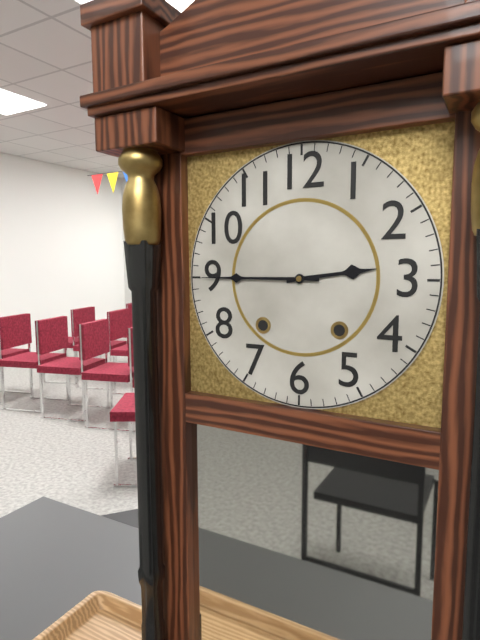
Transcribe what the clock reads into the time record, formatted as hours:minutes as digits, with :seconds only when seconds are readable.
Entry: 2:45
